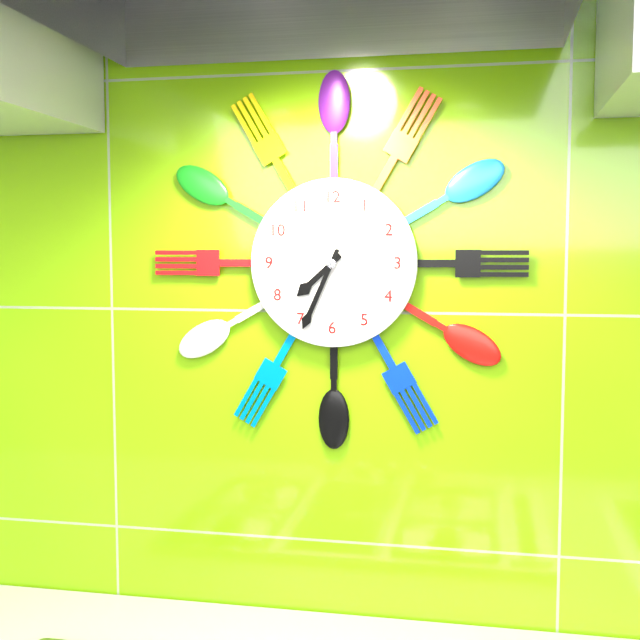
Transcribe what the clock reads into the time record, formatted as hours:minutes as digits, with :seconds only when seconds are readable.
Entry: 7:34
